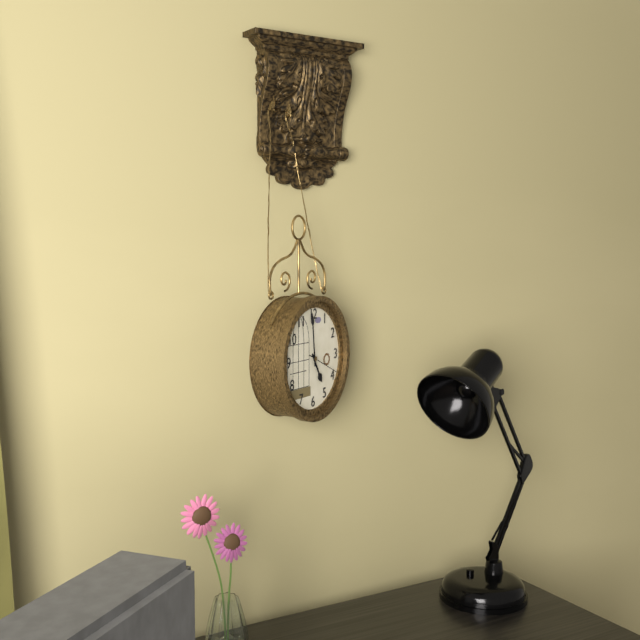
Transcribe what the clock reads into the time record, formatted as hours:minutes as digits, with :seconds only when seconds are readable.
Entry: 4:59:19
